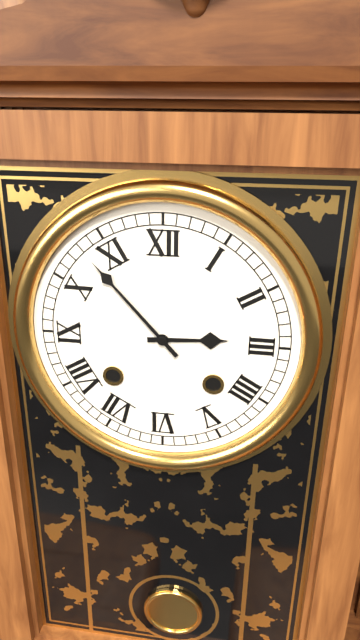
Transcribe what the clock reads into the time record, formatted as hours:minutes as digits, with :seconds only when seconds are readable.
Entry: 2:53
